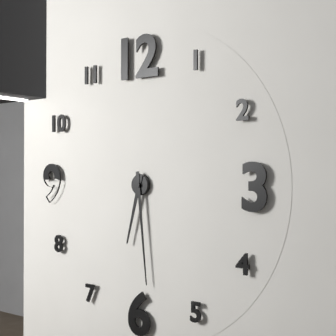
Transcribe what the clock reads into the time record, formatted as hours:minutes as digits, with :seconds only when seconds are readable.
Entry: 6:29
